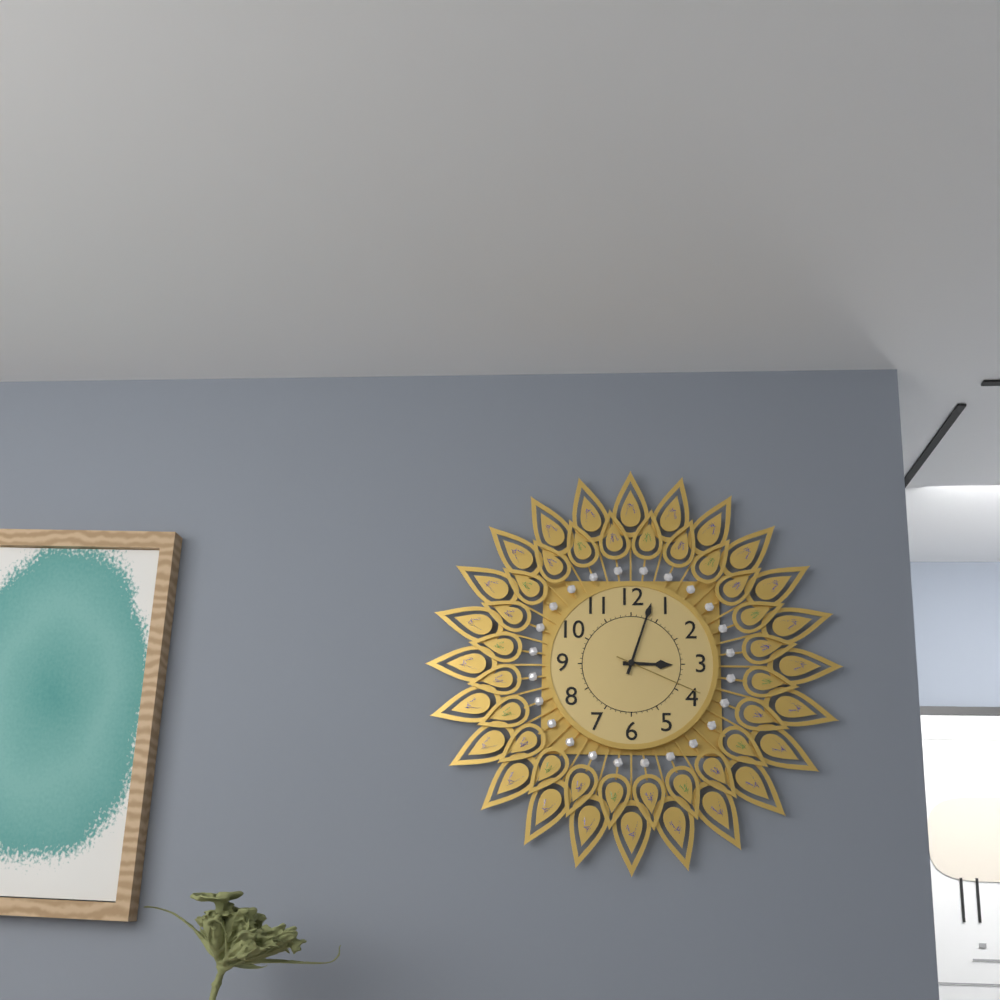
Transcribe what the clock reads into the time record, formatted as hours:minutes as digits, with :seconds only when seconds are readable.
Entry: 3:03:19
